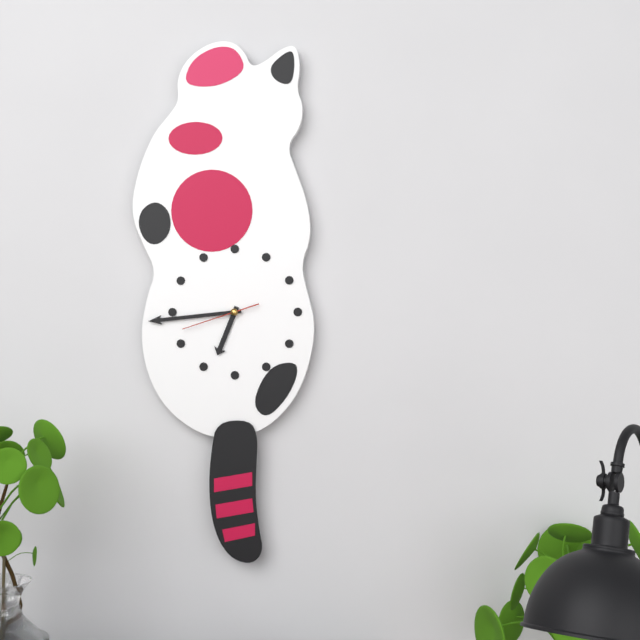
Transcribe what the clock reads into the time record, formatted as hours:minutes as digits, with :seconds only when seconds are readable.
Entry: 6:44:42
